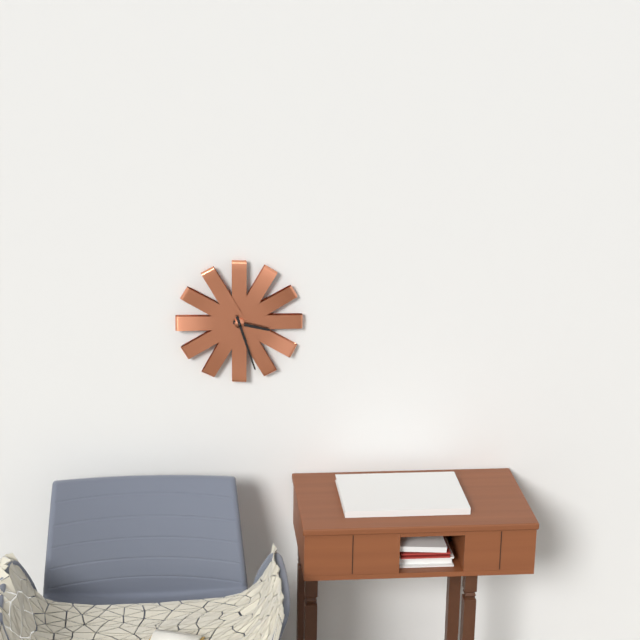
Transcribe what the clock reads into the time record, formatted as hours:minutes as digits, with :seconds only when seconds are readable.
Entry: 3:27
